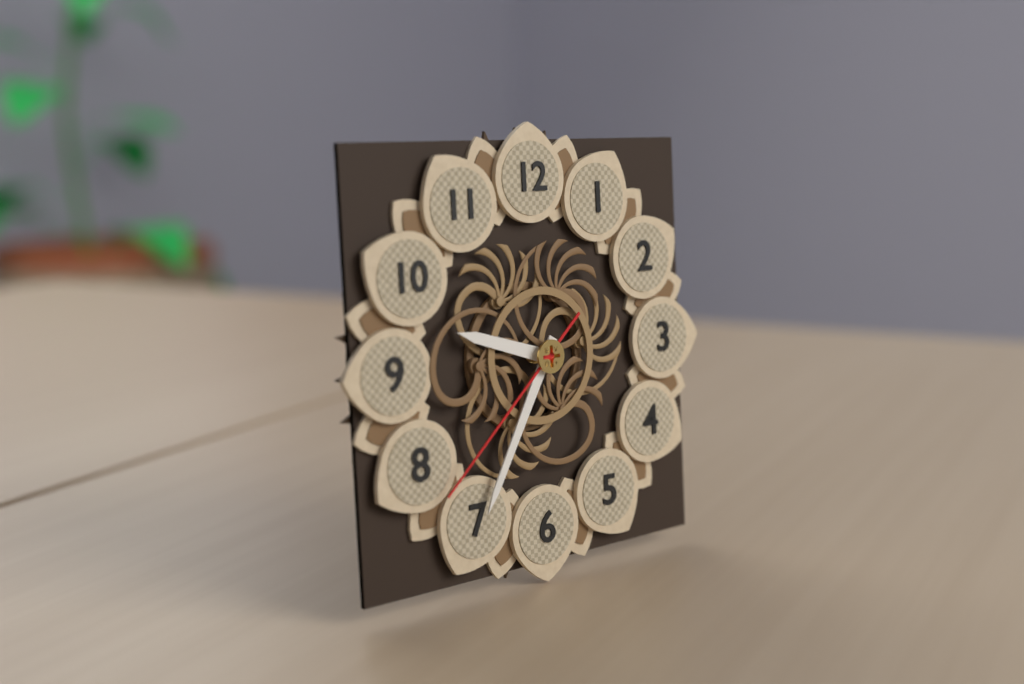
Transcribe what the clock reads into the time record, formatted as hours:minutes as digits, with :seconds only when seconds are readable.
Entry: 9:35:38
